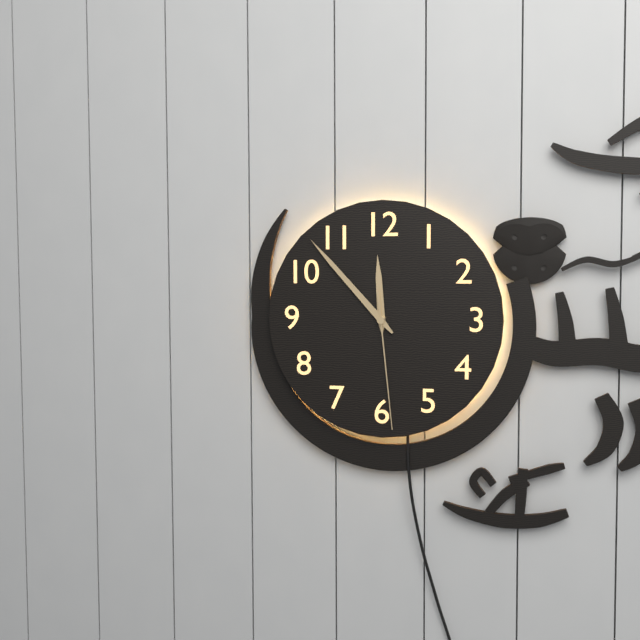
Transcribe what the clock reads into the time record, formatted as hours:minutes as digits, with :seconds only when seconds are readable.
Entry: 11:53:29
